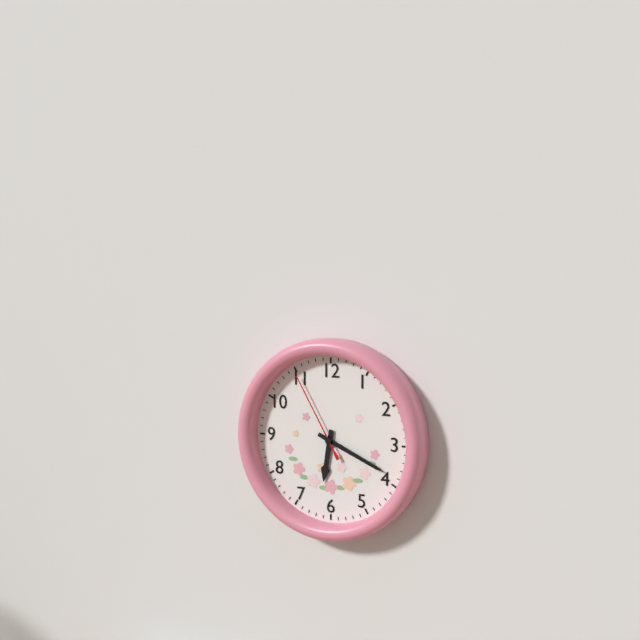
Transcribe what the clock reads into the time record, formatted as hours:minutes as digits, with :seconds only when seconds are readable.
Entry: 6:19:55
